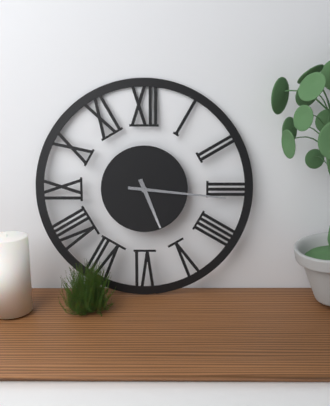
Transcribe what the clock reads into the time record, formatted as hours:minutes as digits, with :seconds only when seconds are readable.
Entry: 5:16
